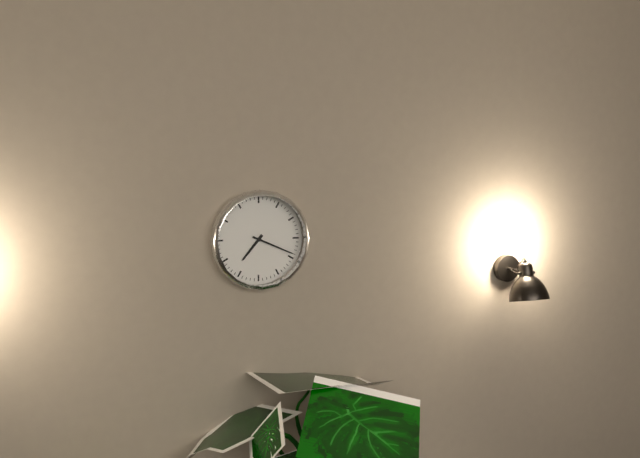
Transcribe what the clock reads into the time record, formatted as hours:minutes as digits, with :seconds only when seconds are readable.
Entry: 7:19
